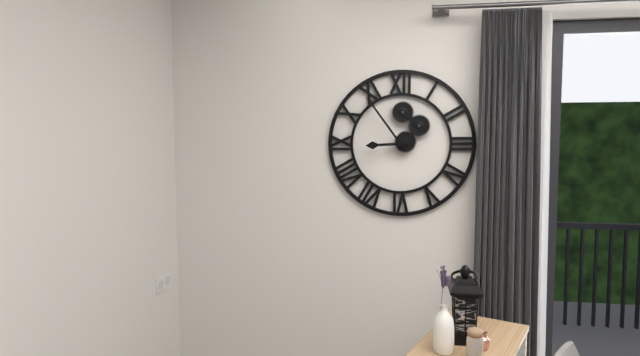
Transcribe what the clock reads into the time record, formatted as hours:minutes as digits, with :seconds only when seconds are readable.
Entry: 8:54
